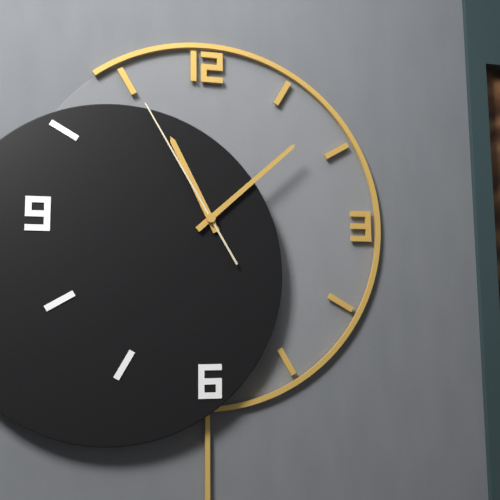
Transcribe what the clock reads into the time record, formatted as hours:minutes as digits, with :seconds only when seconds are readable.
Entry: 11:08:55
